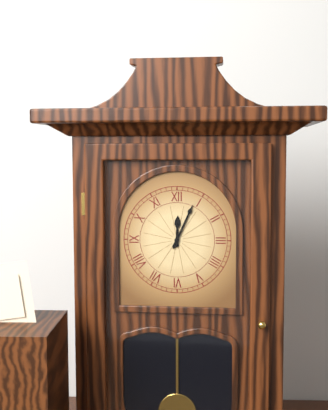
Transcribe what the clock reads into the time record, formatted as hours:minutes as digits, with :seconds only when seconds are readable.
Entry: 12:04
